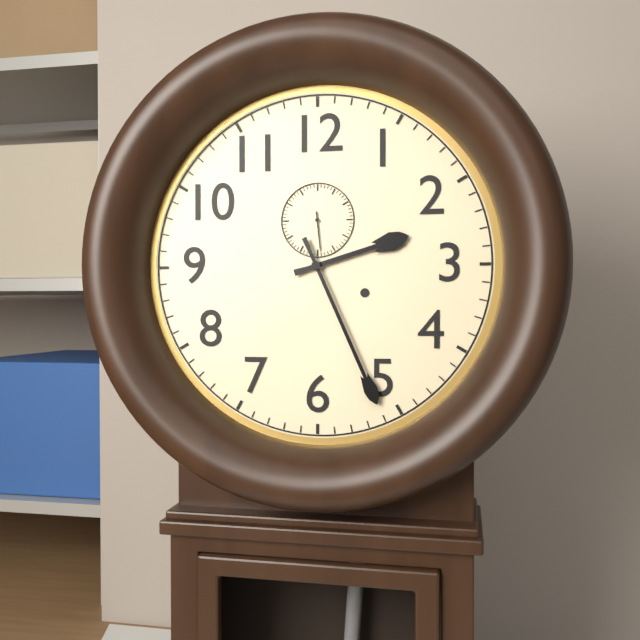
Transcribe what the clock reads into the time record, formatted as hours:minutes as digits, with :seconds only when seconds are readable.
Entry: 2:26
